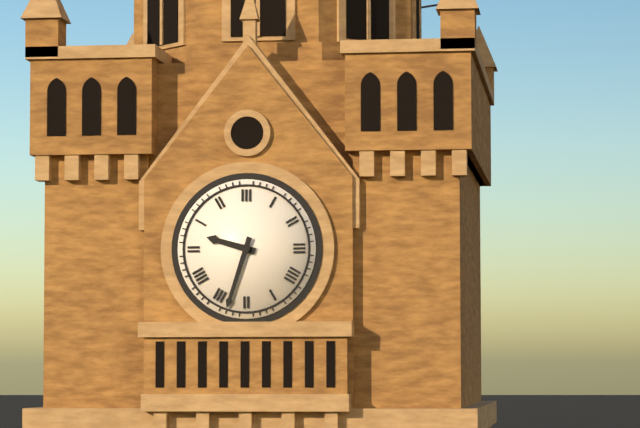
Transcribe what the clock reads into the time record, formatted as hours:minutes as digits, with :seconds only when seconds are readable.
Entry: 9:33
